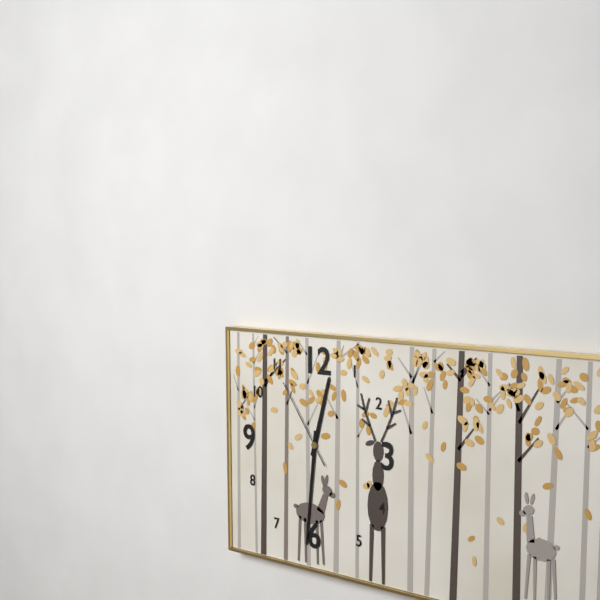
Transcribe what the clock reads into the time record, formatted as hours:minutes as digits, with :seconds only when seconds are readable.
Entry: 12:31:54
